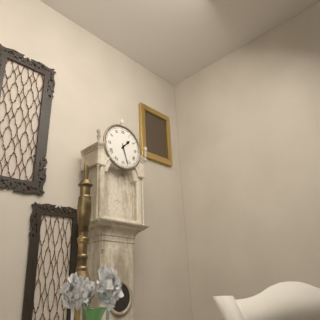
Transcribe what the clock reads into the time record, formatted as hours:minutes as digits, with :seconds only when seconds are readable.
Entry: 1:27
